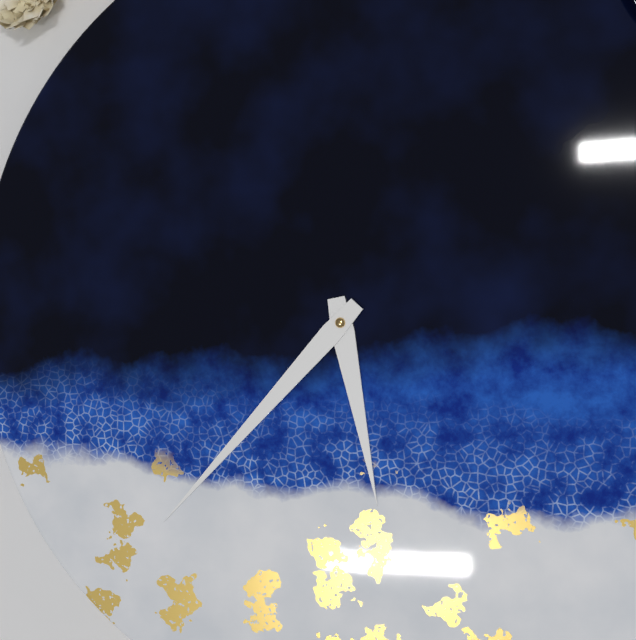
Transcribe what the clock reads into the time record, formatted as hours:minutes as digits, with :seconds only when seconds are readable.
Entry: 5:37
